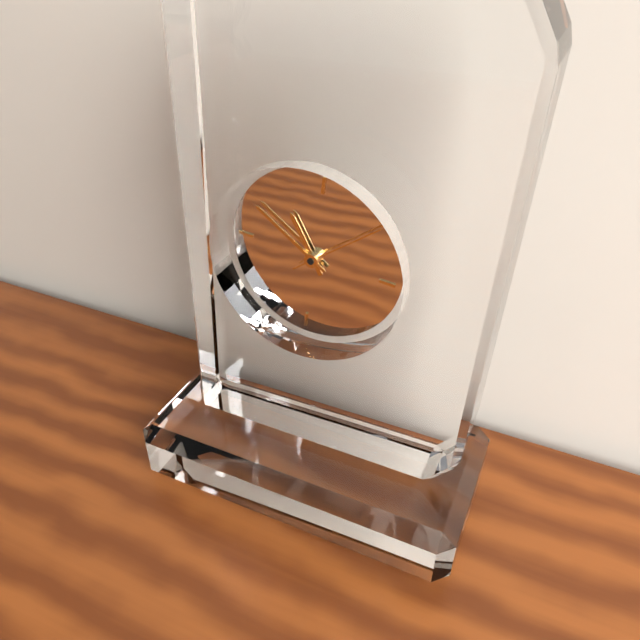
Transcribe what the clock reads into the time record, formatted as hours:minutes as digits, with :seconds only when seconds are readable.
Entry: 10:50:08
